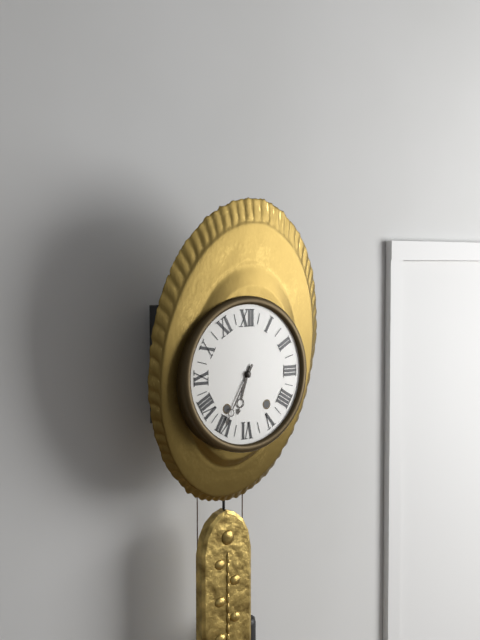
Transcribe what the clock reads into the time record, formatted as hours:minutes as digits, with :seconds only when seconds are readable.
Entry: 6:35
